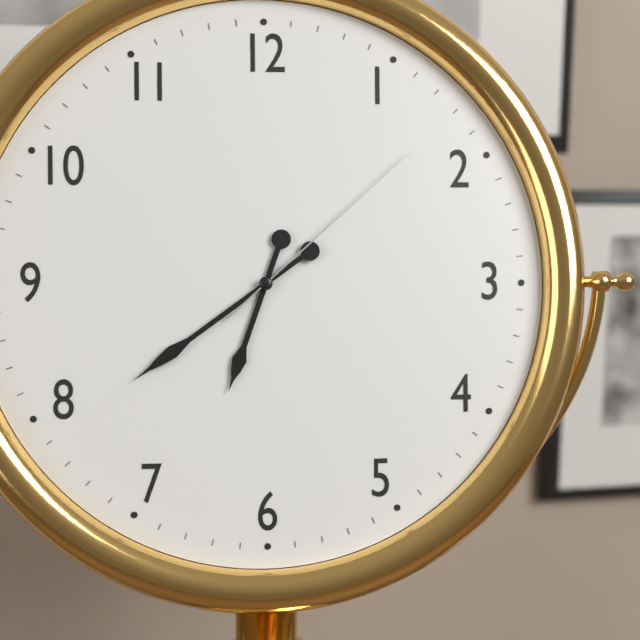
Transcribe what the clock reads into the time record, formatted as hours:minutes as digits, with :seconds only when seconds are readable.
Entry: 6:39:08
